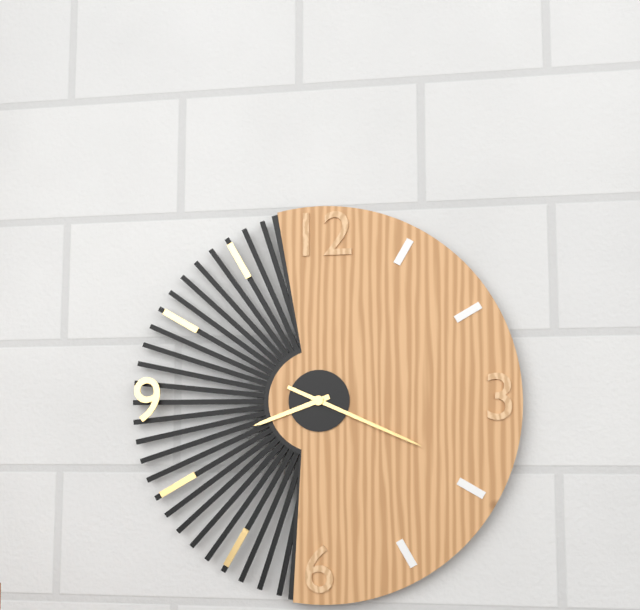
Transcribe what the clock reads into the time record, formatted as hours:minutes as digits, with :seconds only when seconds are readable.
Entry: 8:19
